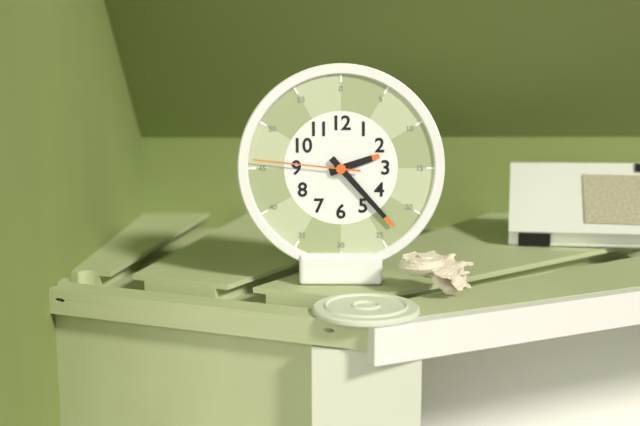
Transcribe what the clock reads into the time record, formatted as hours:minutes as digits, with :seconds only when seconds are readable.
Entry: 2:23:46
